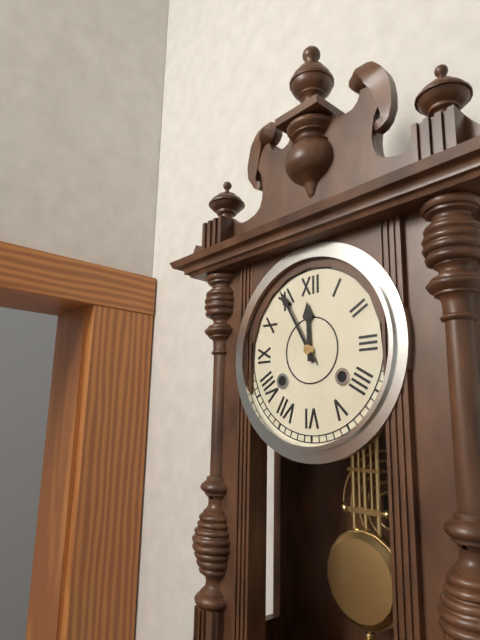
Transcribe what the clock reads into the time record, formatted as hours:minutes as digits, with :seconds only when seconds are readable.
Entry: 11:55
